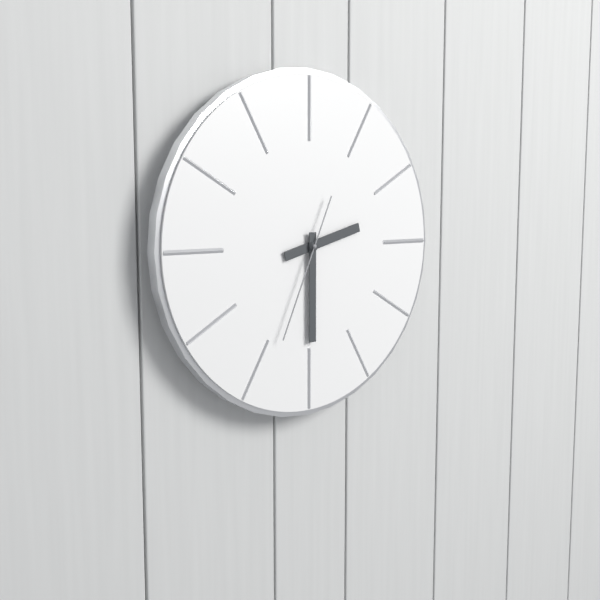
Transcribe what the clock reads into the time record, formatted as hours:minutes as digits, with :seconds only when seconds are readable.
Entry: 2:30:34
